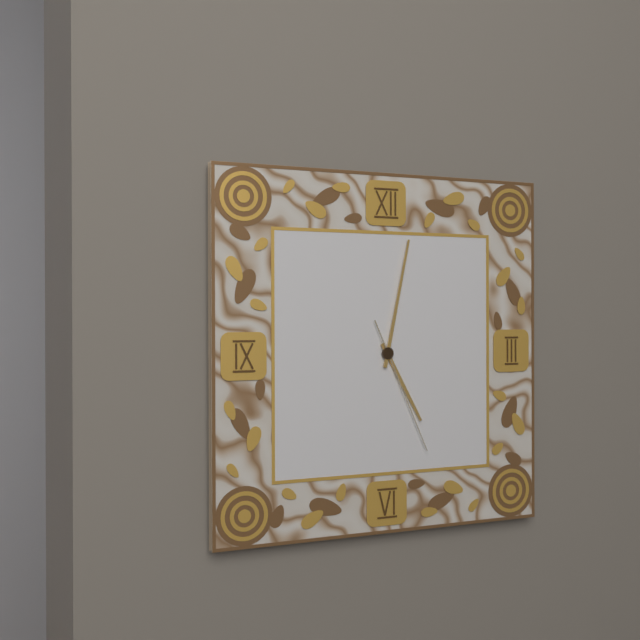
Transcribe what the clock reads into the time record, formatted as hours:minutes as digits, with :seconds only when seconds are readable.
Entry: 5:02:26
